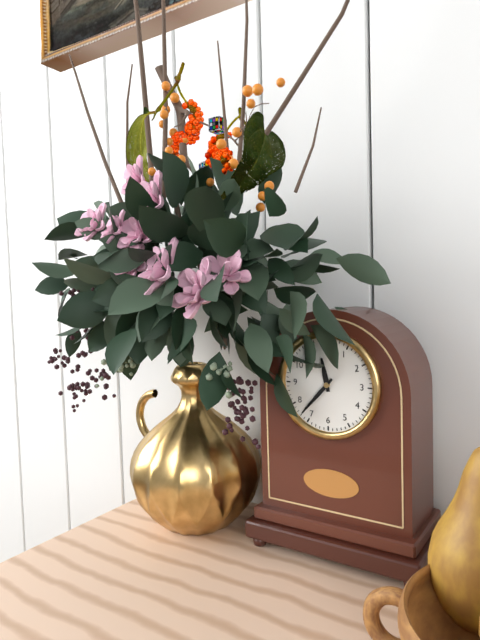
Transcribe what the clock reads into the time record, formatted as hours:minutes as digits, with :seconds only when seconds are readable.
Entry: 11:37
